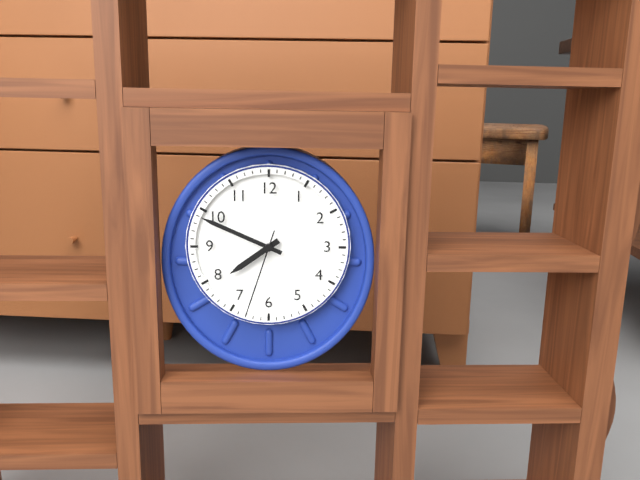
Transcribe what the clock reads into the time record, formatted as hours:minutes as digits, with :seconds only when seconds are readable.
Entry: 7:49:33
